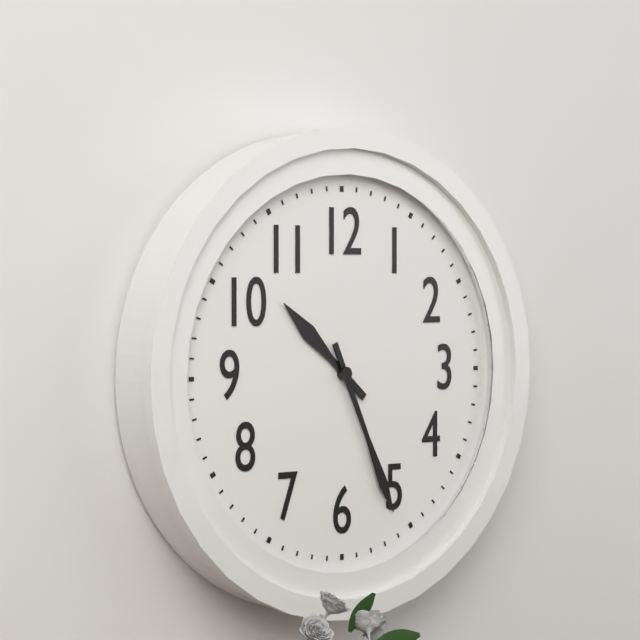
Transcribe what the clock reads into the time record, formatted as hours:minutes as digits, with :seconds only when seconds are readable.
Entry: 10:26
